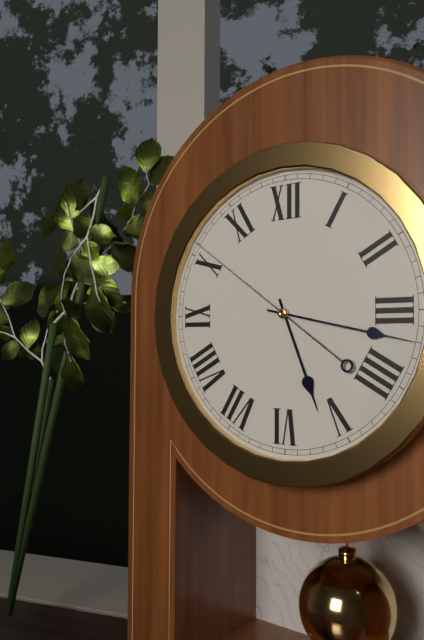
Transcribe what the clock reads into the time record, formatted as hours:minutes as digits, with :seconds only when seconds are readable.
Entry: 5:17:51
